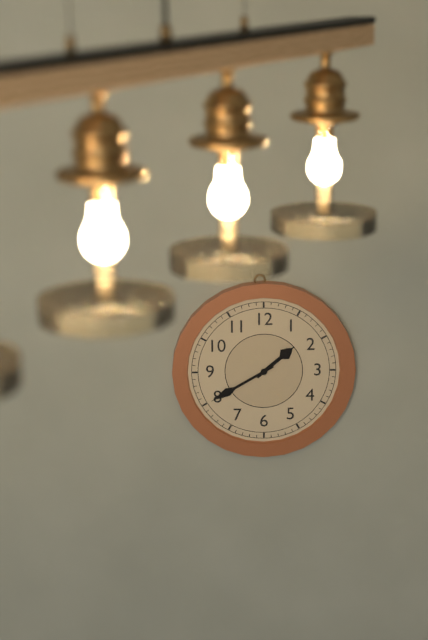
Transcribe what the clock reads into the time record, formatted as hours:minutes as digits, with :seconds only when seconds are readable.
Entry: 1:40
